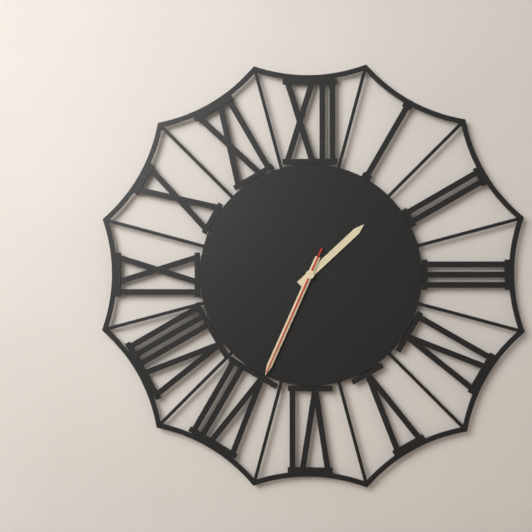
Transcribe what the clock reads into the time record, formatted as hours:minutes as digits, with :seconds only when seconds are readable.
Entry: 1:34:34
